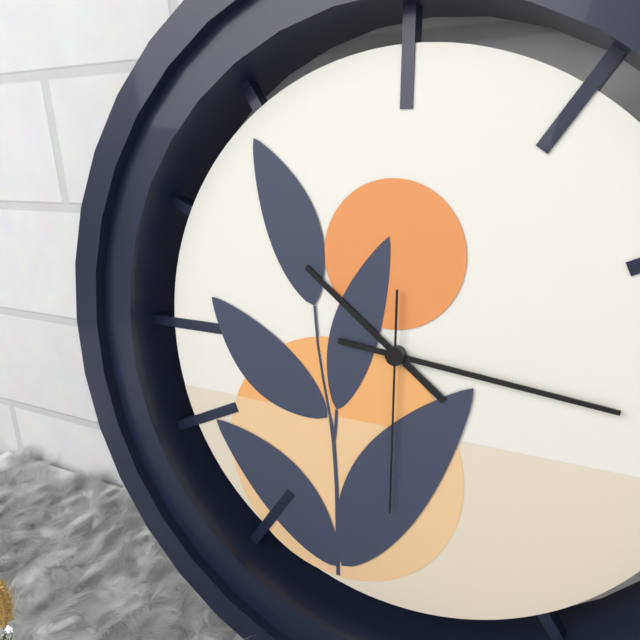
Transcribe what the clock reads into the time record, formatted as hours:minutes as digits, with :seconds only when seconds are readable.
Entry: 10:16:30
